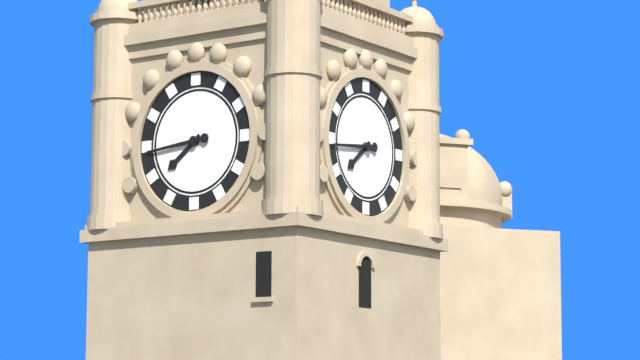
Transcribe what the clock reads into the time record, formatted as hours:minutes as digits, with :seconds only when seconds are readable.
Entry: 7:44
